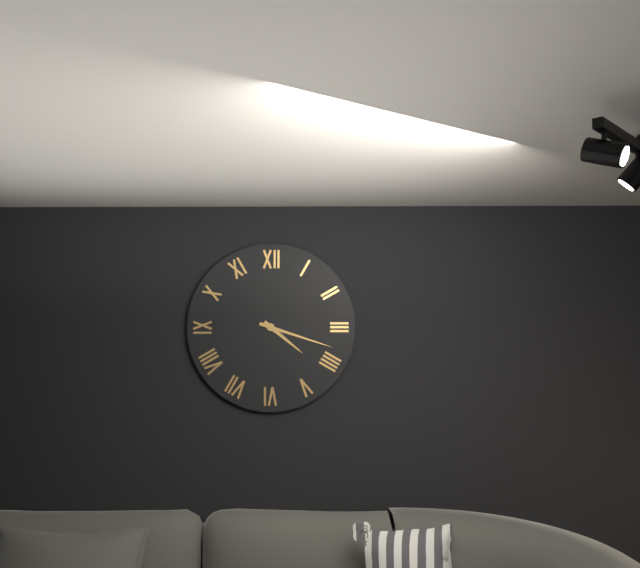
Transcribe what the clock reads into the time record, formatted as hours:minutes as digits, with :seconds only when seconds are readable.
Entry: 4:18
